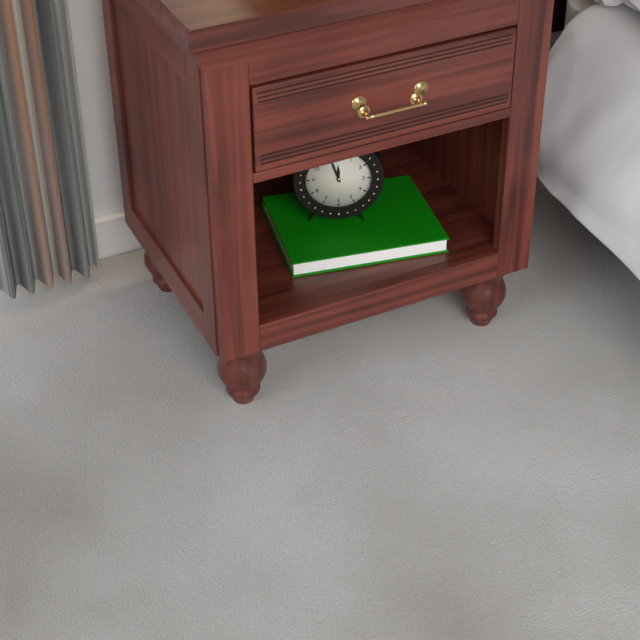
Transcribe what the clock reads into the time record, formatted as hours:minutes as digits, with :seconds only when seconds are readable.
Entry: 11:57
